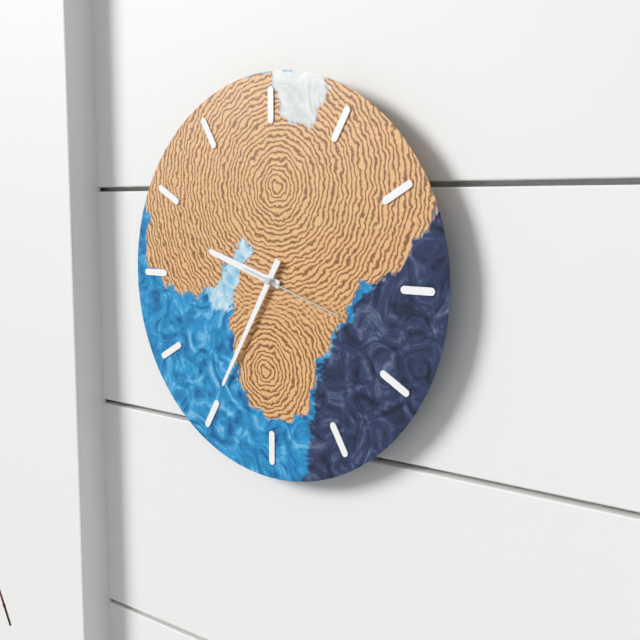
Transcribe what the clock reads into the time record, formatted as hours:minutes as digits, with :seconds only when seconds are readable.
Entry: 9:35:18
